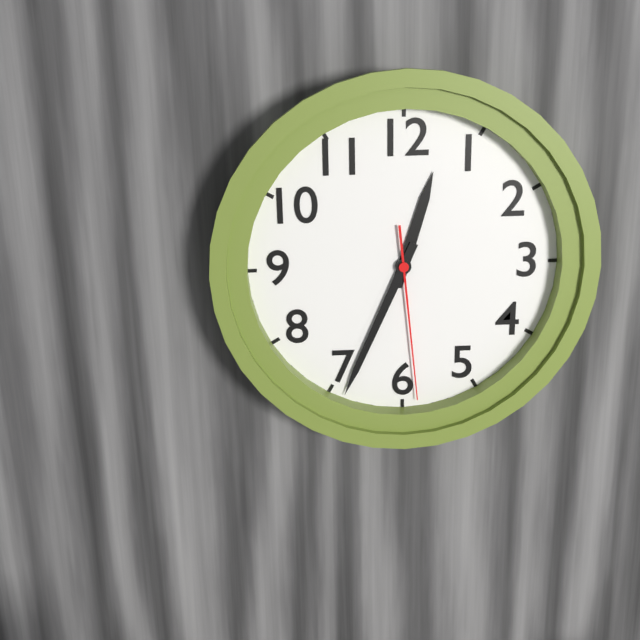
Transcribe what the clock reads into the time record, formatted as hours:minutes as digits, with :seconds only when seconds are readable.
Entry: 12:34:29
